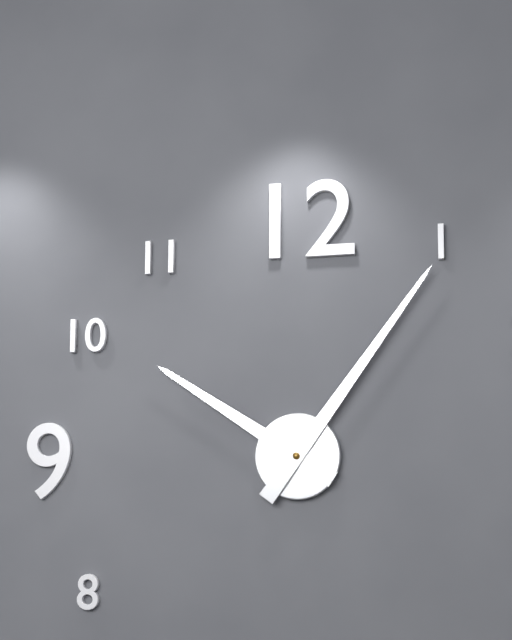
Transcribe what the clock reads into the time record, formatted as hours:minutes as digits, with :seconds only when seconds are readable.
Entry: 10:06
